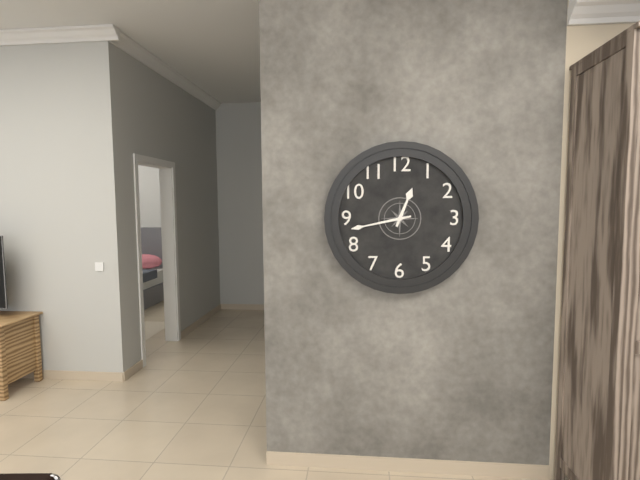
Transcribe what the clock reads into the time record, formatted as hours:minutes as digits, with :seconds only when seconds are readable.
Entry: 12:43
